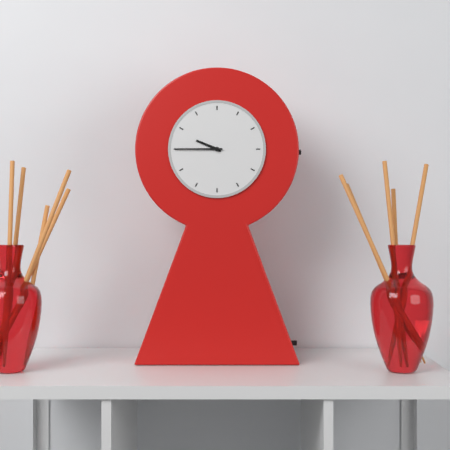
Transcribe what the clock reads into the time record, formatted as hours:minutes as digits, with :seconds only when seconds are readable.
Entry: 9:45
